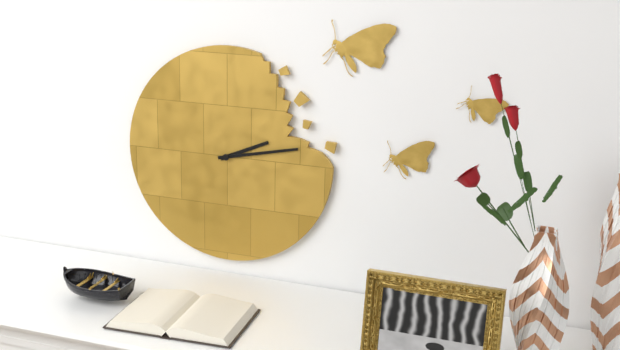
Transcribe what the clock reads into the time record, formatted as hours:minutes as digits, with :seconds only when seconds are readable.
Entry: 2:13
